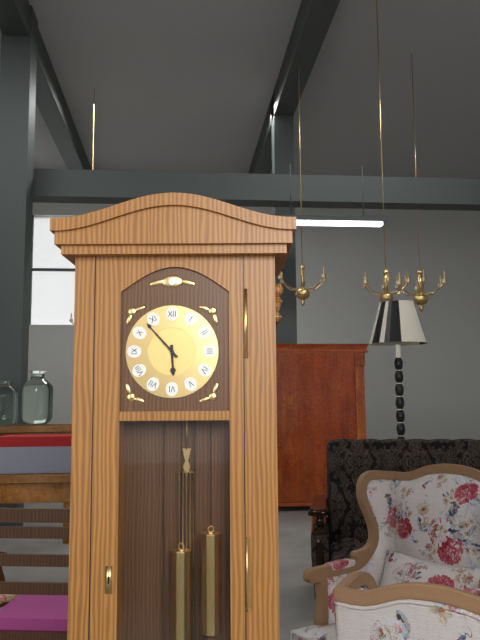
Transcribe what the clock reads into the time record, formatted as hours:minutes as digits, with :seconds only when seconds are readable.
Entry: 5:53
